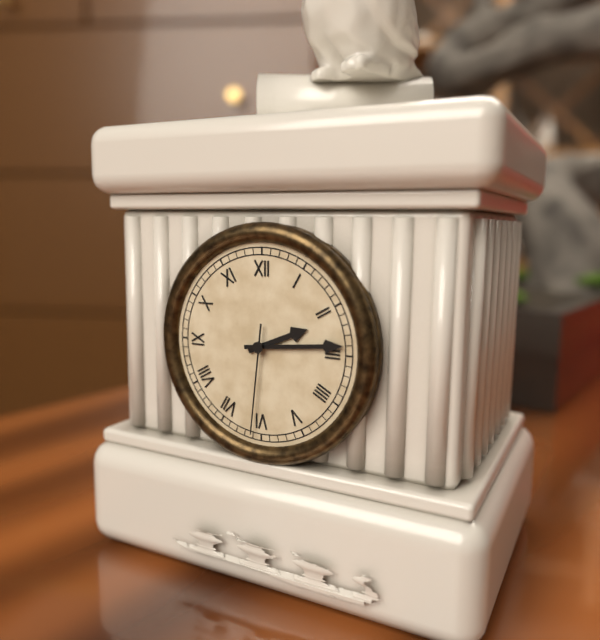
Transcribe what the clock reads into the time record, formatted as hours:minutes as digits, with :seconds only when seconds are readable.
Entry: 2:14:31
